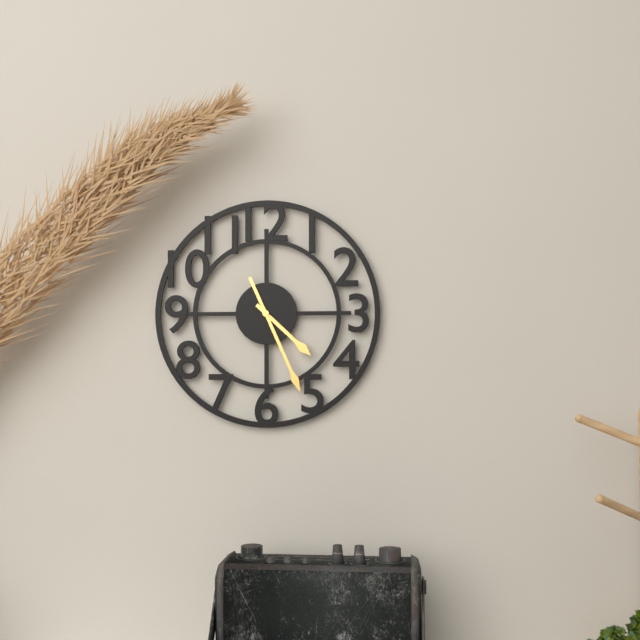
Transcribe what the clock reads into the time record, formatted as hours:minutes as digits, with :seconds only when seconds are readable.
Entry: 4:26
